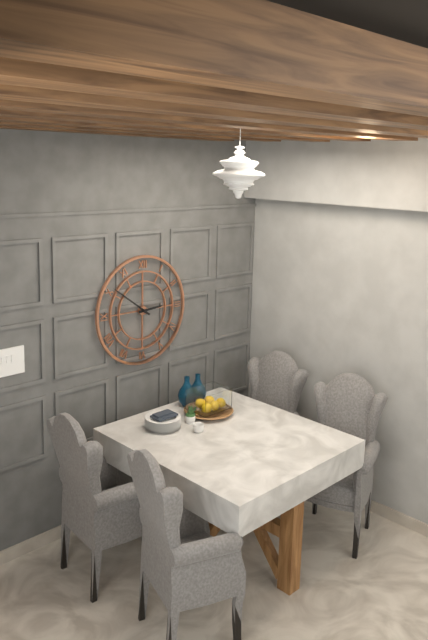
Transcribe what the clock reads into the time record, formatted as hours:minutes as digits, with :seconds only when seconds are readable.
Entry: 2:51
